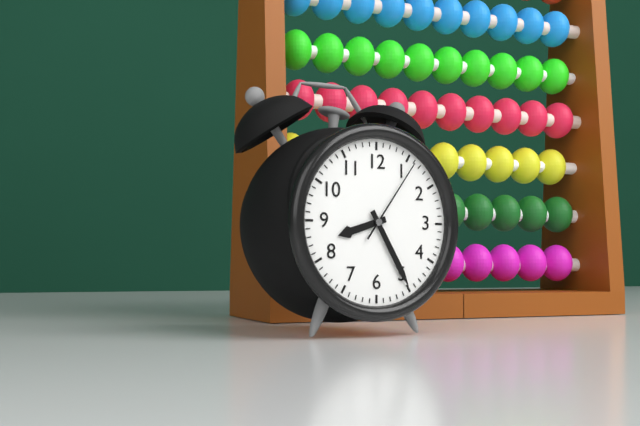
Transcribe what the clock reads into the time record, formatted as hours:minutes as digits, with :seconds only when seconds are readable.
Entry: 8:25:06
